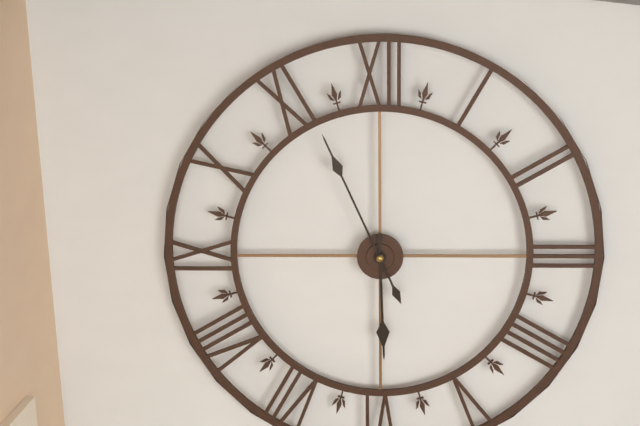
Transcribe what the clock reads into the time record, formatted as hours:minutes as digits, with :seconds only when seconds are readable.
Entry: 5:56
